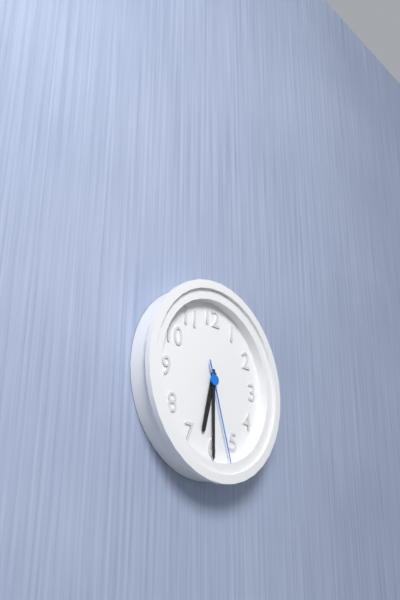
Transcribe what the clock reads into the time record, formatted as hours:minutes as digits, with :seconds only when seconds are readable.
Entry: 6:30:27
